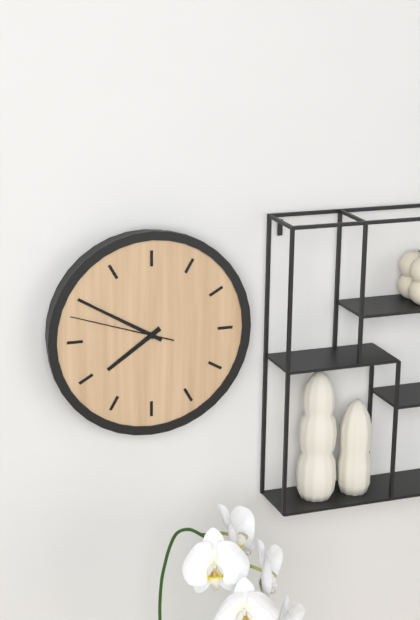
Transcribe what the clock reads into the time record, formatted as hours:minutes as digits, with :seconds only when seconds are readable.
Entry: 7:50:48
